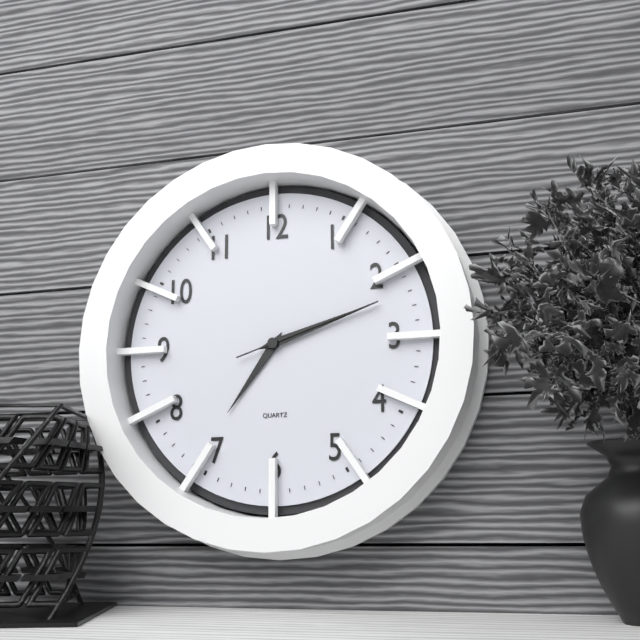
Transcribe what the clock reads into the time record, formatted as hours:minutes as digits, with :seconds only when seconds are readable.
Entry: 7:12:12
